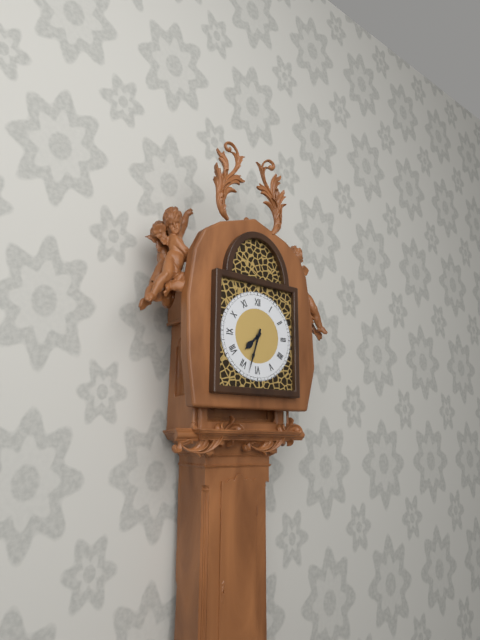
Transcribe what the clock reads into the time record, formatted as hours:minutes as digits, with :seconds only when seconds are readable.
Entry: 7:33
